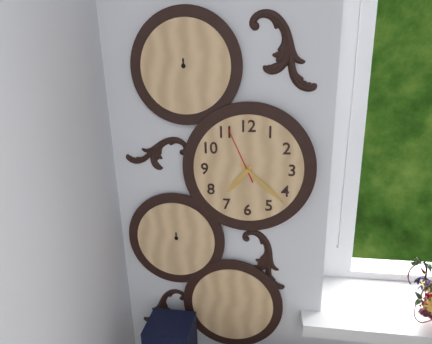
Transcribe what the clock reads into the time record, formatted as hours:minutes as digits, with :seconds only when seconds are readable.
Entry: 7:22:56
